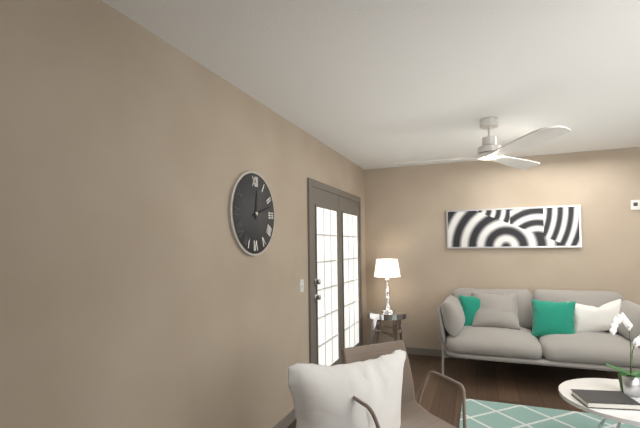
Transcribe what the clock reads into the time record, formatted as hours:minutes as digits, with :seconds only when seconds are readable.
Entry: 12:12
